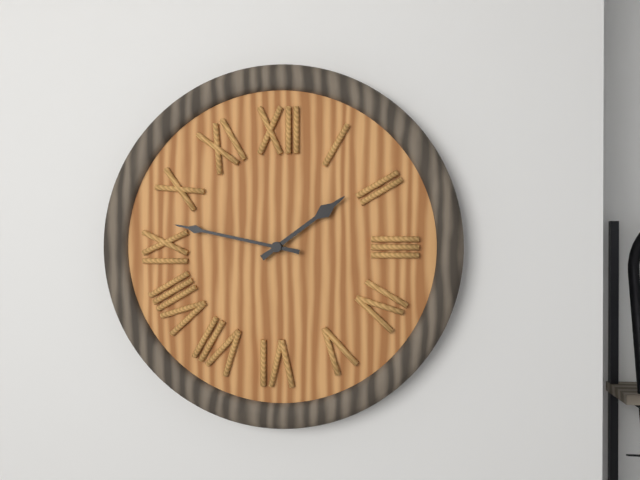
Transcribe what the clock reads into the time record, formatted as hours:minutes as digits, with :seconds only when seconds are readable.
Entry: 1:47
